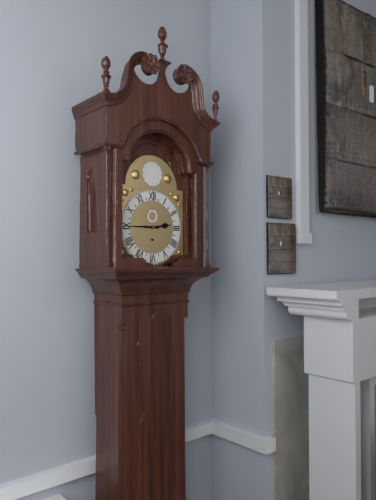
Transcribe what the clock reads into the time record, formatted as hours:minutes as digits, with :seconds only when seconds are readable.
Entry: 2:45
